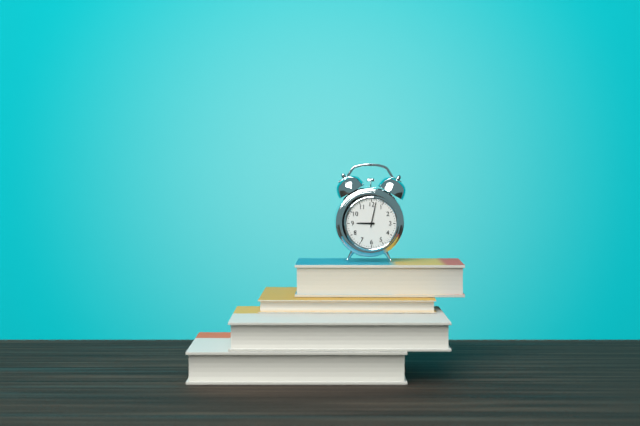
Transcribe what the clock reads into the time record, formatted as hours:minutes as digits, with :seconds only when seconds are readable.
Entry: 9:02
